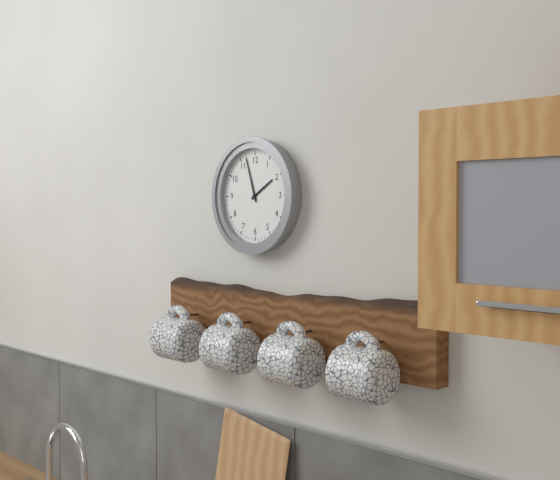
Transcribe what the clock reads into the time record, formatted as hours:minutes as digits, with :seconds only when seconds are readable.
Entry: 1:57
